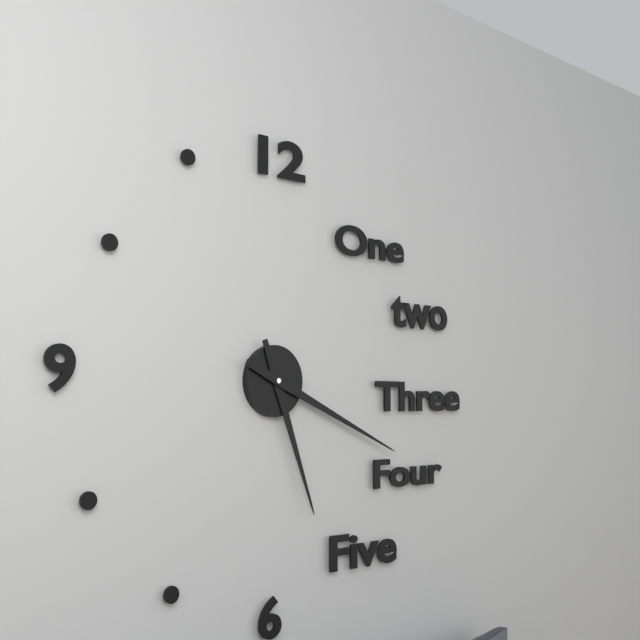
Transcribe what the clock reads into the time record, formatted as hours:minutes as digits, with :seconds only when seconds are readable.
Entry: 5:19
